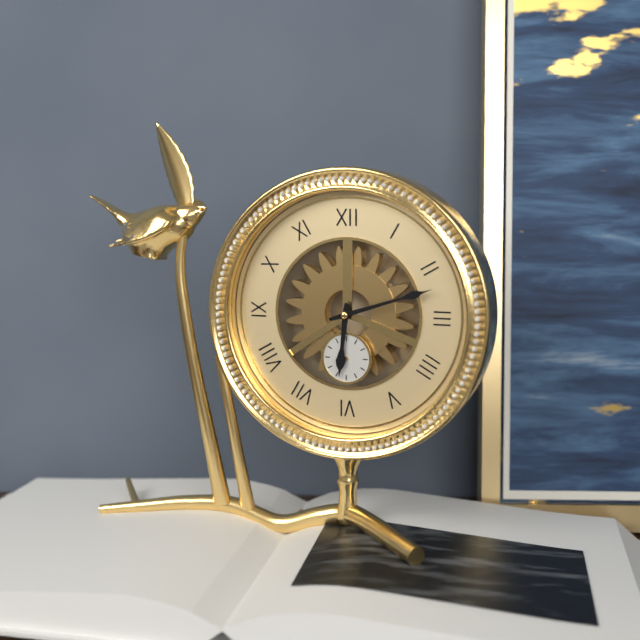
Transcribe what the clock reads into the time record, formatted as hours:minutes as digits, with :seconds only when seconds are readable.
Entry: 6:12
